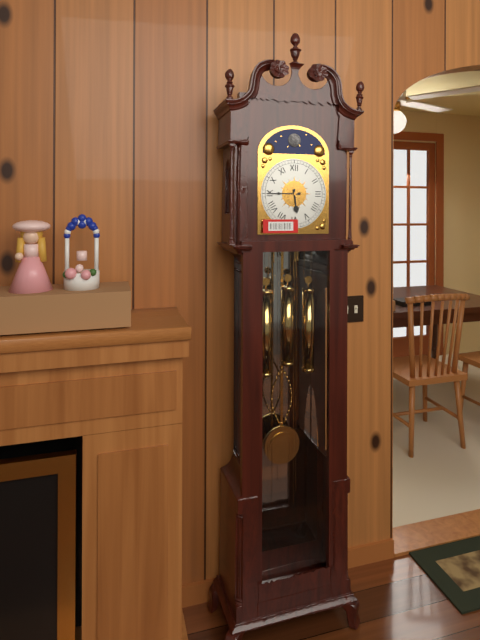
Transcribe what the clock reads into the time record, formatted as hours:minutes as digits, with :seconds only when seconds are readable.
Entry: 5:45
